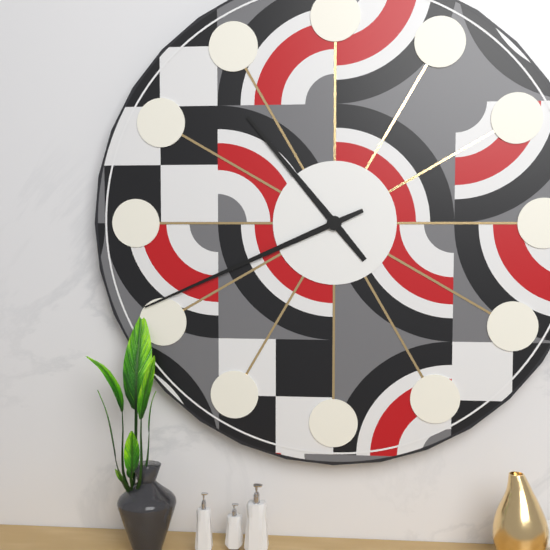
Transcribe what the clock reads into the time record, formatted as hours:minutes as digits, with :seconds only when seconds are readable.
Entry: 10:41
